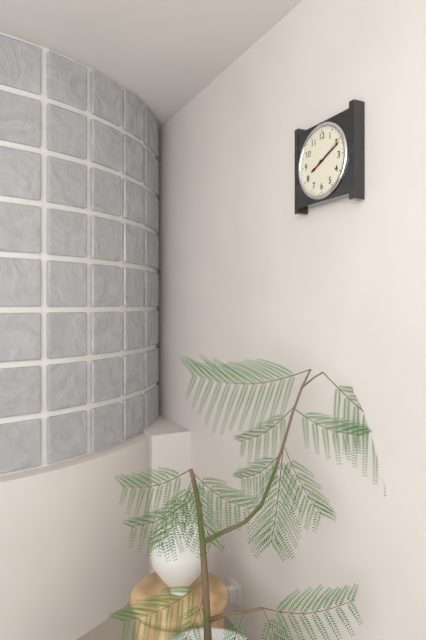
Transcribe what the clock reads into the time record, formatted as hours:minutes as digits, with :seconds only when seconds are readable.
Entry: 8:11
